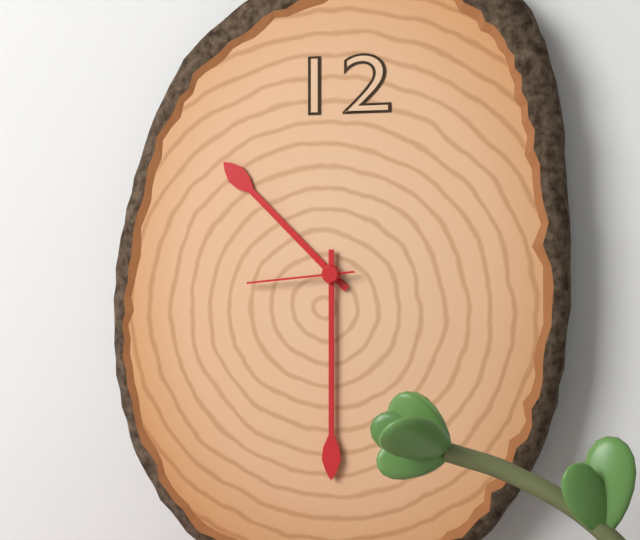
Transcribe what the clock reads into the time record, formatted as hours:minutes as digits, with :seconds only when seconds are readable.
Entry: 10:30:44
